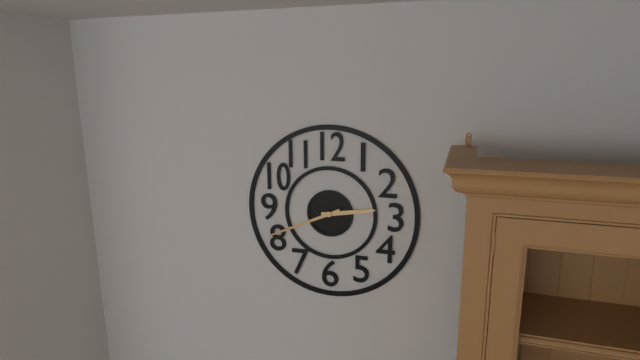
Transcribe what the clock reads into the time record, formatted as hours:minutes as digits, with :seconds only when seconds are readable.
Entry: 2:41
